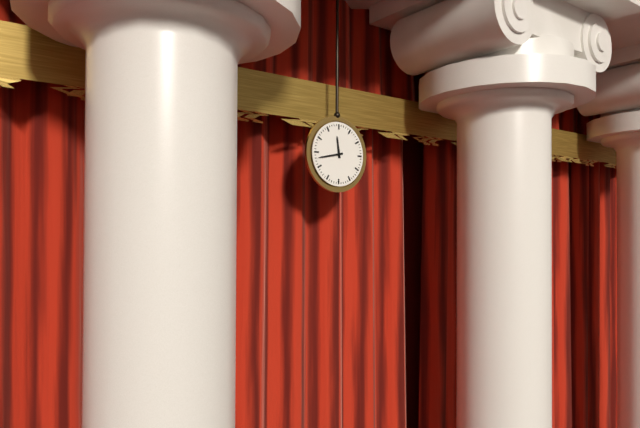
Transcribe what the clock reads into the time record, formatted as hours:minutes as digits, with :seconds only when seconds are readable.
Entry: 11:43
